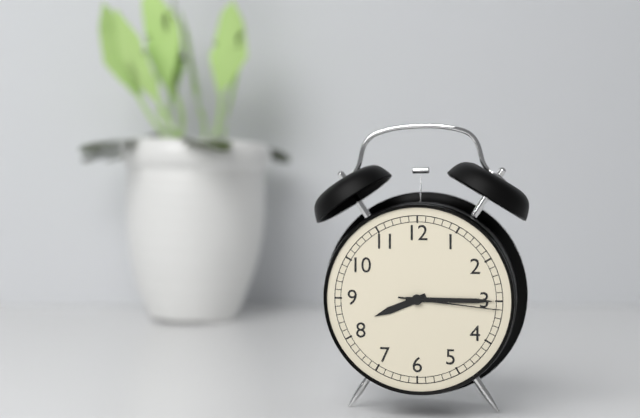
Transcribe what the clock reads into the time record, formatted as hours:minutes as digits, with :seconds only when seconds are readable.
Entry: 8:15:16
